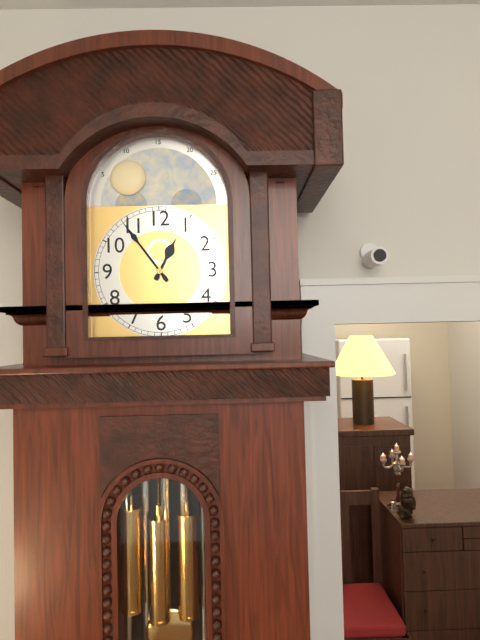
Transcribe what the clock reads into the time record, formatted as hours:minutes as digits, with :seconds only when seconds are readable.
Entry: 12:54
